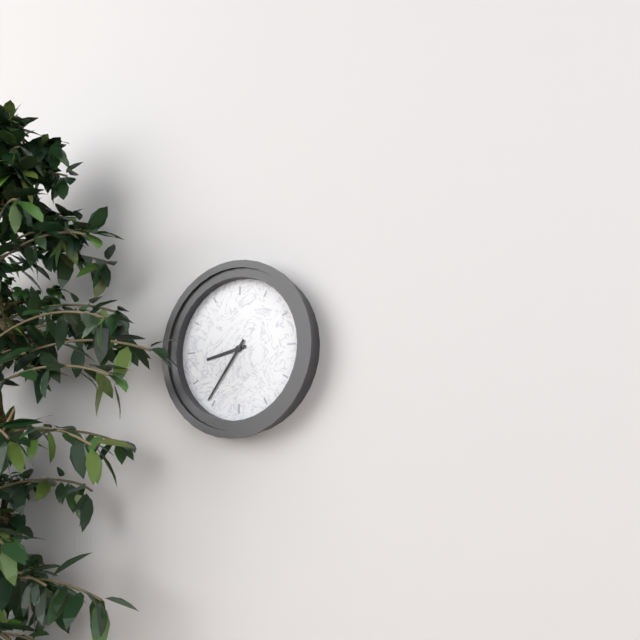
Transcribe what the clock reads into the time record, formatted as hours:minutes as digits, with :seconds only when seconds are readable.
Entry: 8:36
